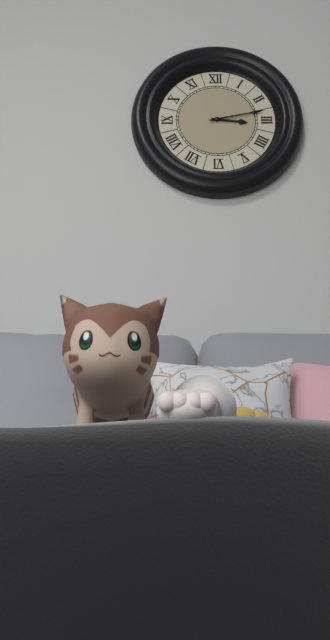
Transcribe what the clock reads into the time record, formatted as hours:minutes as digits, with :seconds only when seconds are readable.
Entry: 3:13
